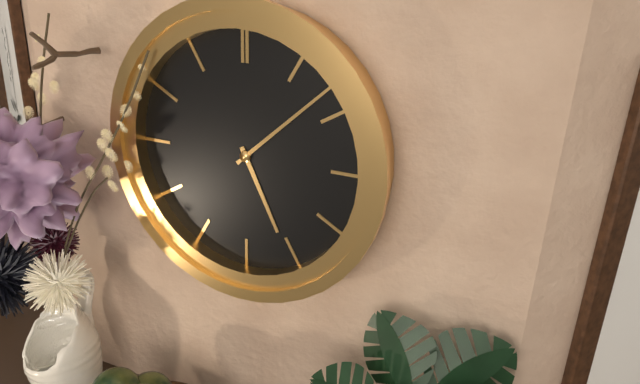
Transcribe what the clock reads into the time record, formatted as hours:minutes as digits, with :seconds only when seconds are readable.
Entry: 5:08
